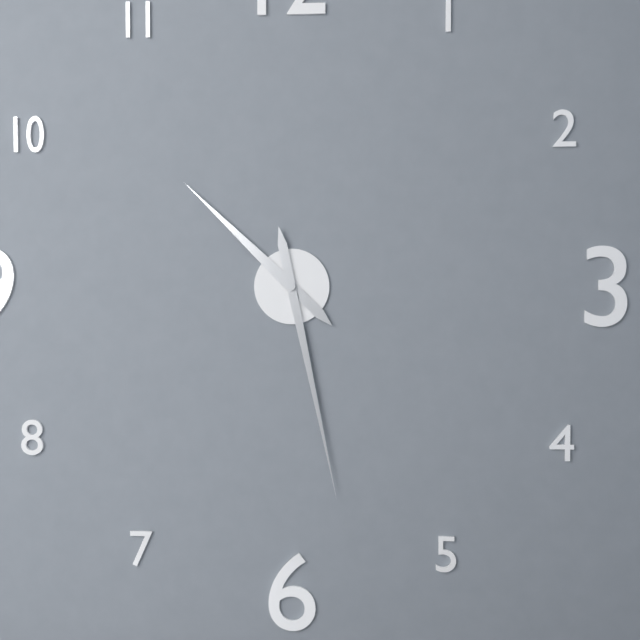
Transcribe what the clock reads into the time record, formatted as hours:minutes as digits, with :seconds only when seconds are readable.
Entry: 10:28
